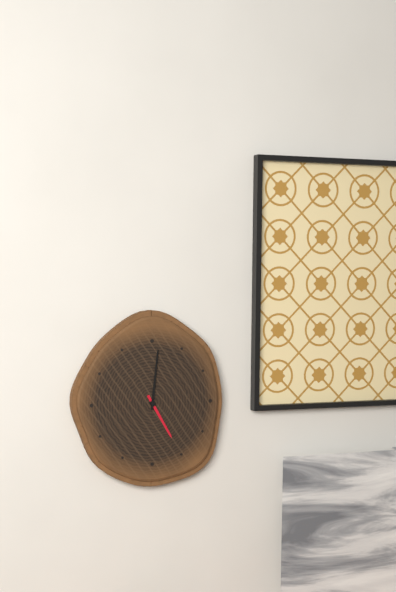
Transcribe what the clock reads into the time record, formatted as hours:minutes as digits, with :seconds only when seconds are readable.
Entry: 5:01
